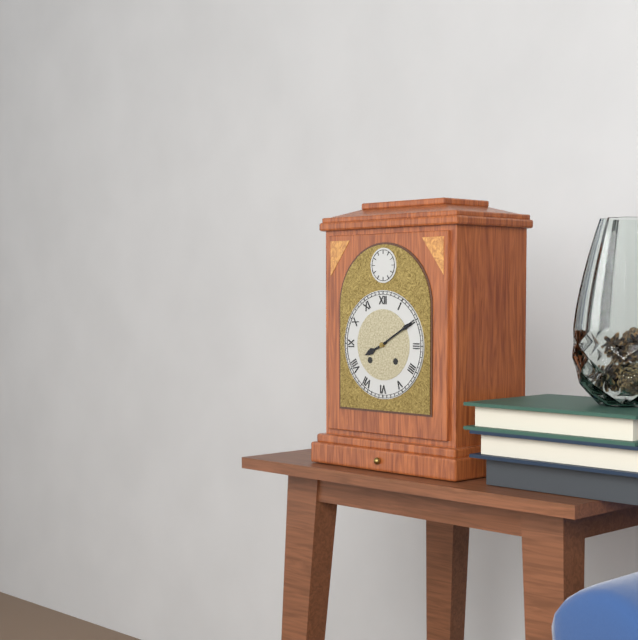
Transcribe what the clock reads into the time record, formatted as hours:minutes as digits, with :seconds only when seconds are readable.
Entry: 8:10
